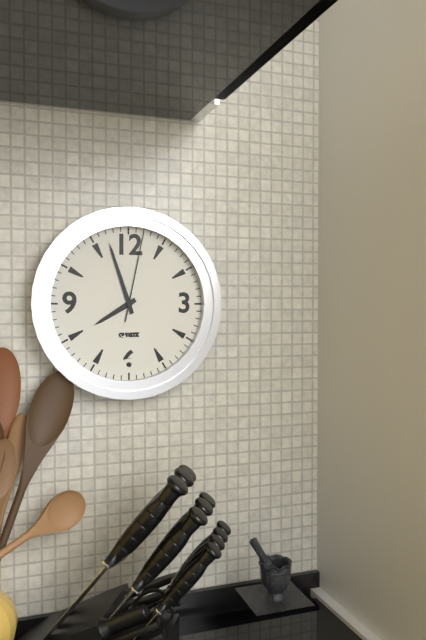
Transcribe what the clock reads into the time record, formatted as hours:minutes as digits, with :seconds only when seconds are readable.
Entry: 7:57:02
